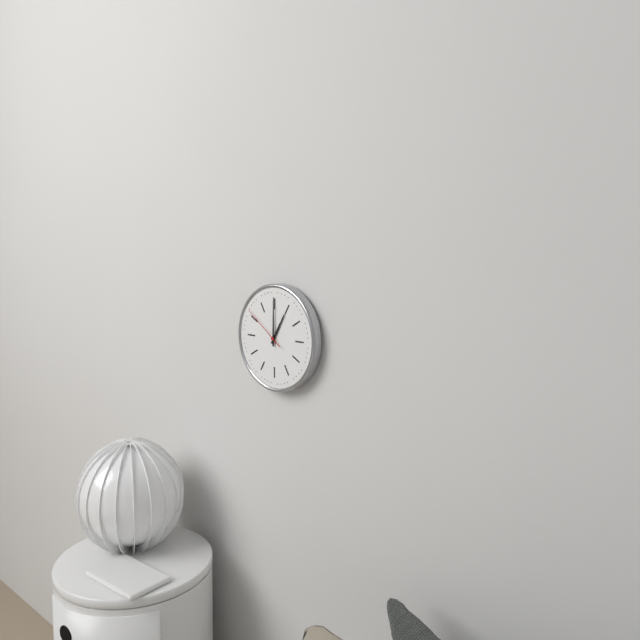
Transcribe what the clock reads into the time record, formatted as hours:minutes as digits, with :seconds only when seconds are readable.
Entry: 1:00
